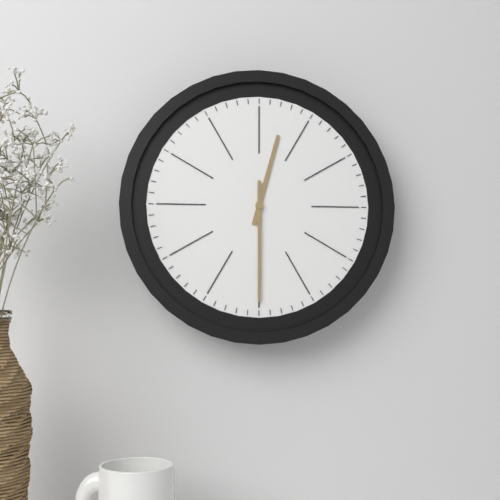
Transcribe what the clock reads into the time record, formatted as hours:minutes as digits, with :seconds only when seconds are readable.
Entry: 12:30
